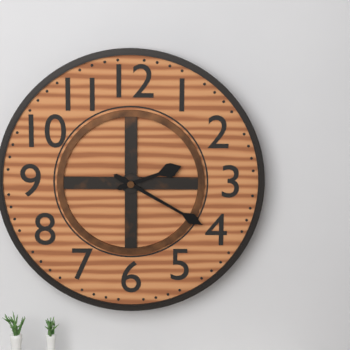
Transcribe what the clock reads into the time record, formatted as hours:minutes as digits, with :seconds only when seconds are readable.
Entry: 2:20
